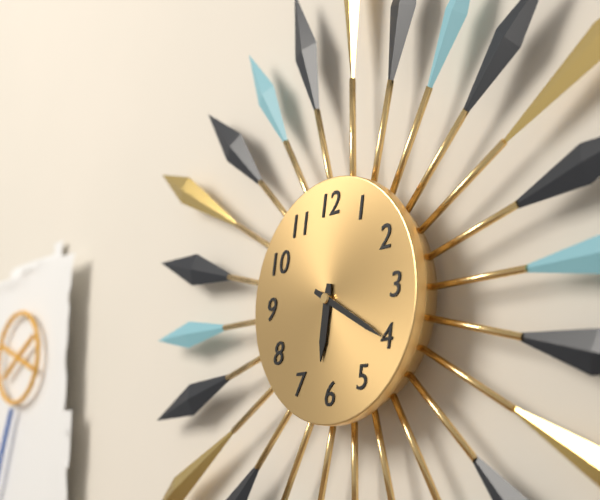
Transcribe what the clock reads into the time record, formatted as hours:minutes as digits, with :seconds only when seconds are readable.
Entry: 6:20
